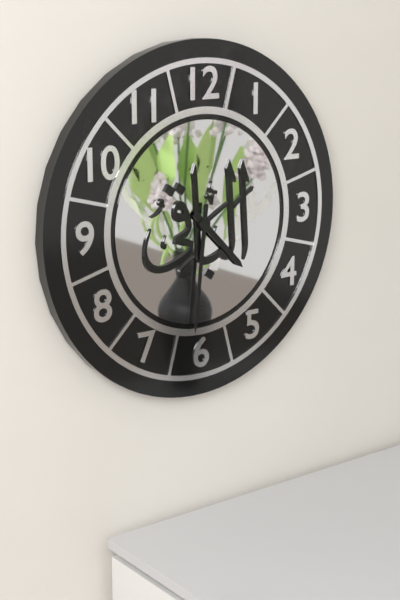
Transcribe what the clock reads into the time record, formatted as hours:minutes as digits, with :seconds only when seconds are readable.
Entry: 4:31
